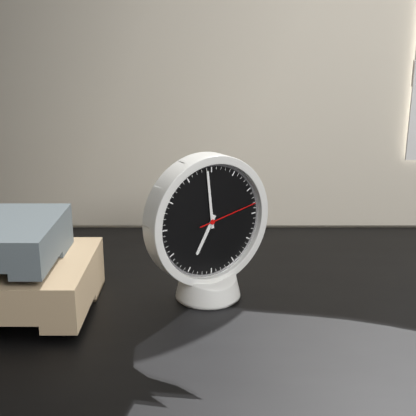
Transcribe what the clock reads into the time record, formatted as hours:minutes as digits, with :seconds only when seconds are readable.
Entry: 6:59:13
